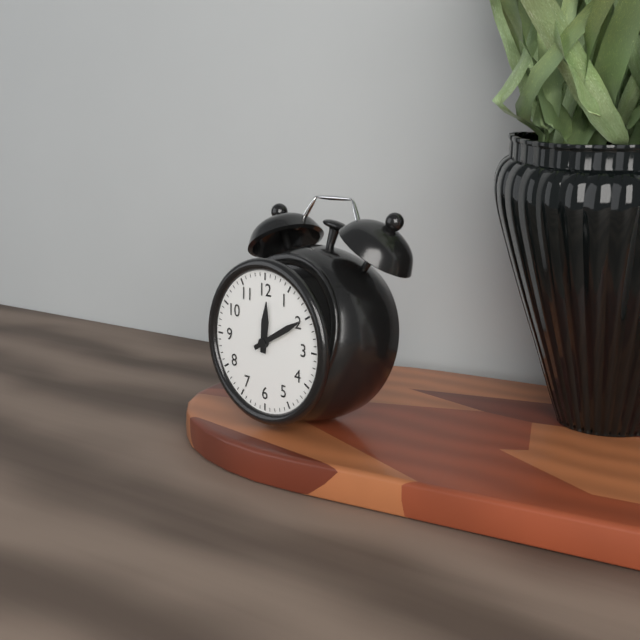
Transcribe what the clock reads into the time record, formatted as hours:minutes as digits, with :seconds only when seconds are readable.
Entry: 12:10
